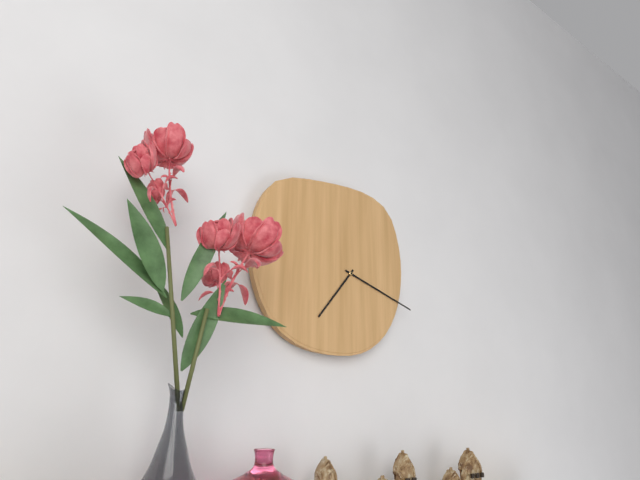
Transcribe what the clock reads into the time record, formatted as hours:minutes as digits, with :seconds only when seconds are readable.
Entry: 7:18
